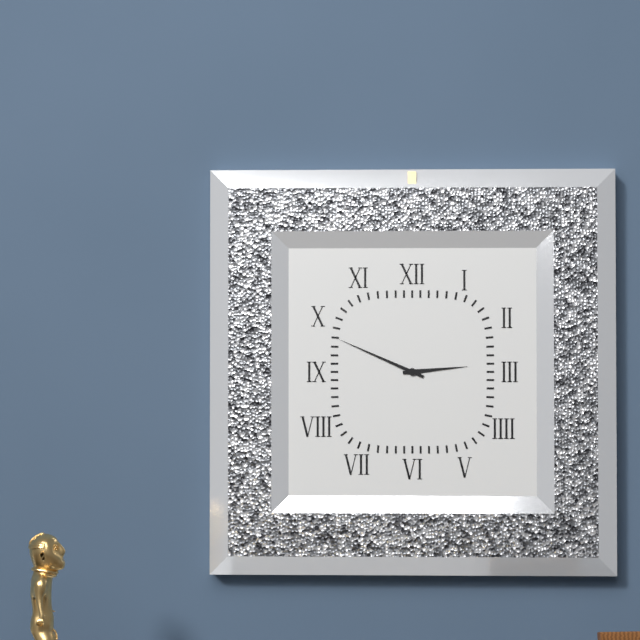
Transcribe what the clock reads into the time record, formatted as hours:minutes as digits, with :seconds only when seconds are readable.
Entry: 2:49
